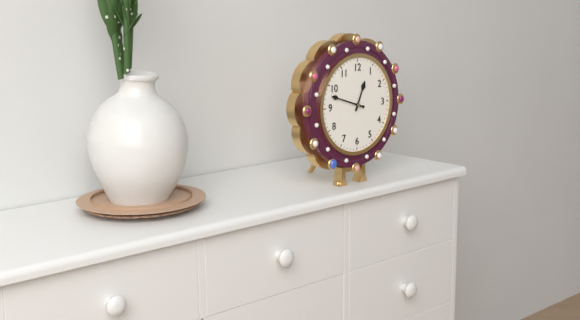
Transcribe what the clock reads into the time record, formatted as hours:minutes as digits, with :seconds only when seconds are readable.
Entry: 12:48
